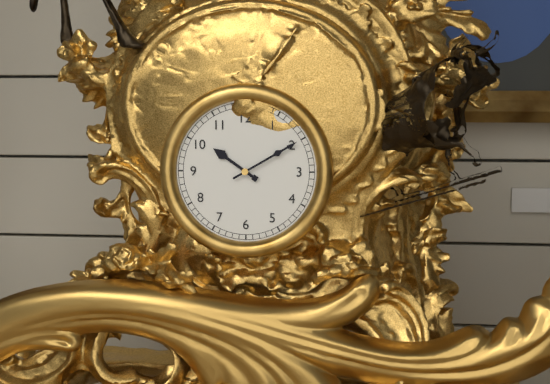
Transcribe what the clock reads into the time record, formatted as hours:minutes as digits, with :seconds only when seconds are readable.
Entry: 10:10
